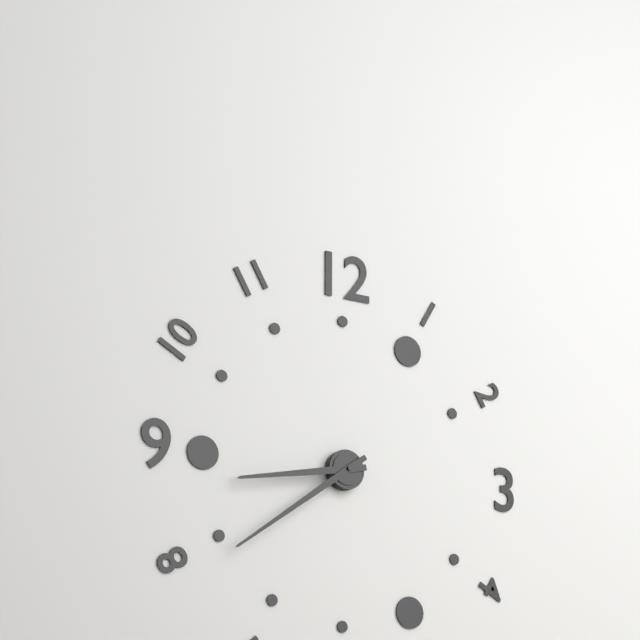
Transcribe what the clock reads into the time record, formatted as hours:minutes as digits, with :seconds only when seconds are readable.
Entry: 8:39
